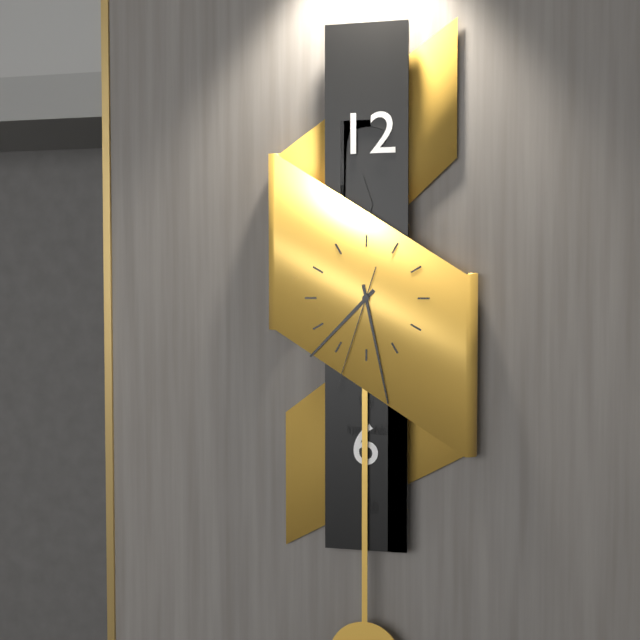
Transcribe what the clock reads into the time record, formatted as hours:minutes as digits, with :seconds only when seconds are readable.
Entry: 7:28:33
